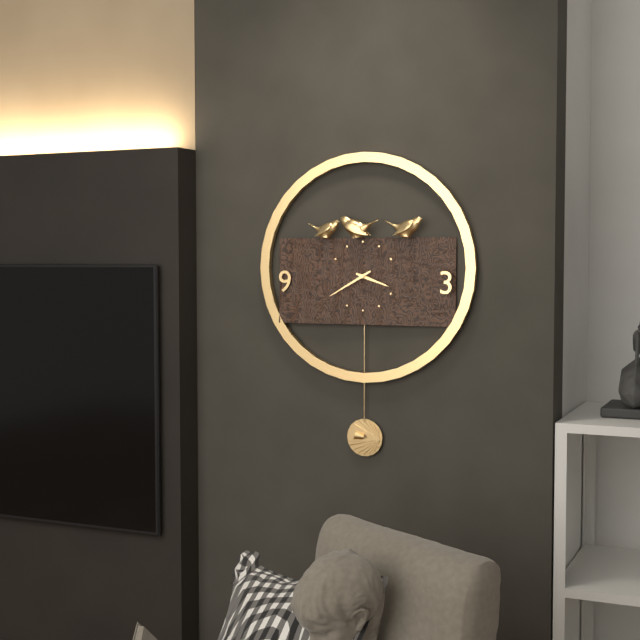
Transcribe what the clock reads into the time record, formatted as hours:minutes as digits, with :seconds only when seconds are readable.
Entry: 3:40
